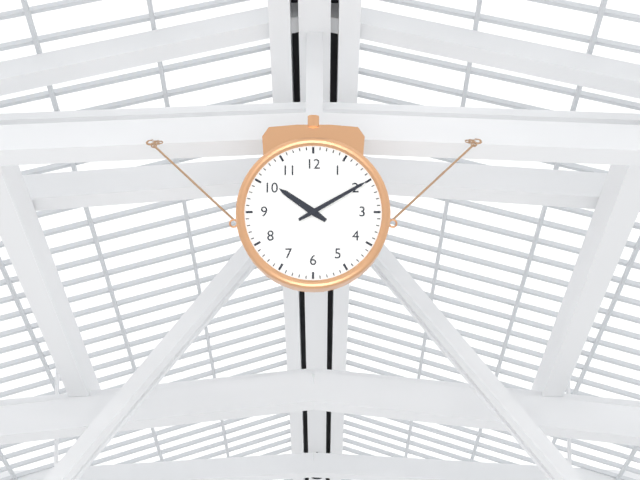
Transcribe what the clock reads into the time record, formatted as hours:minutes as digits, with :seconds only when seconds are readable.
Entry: 10:10
